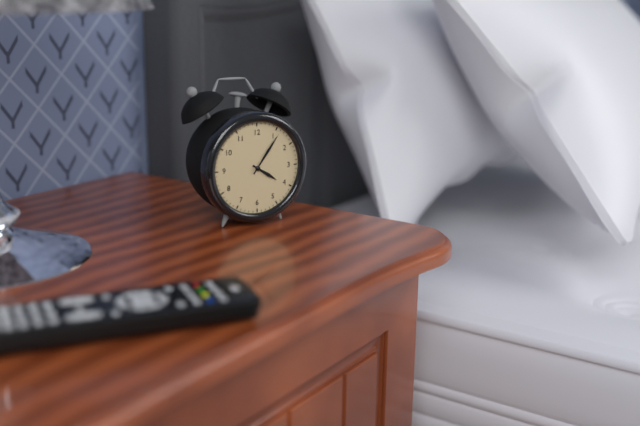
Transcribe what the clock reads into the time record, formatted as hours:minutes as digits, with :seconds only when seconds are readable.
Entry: 4:06
